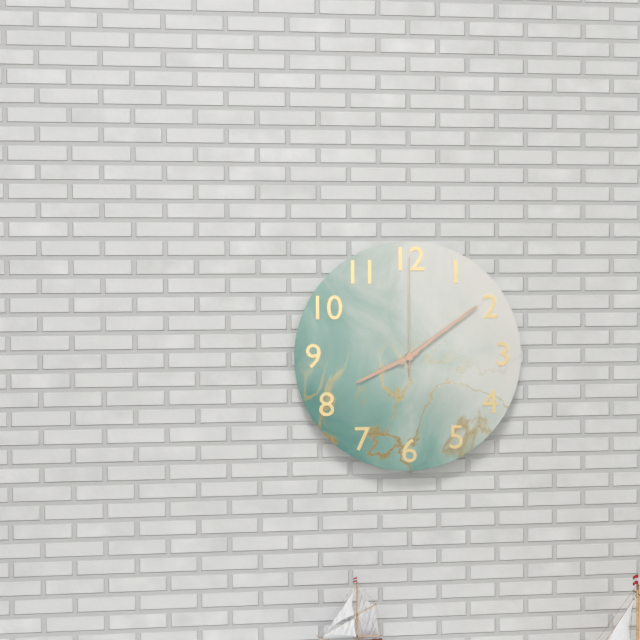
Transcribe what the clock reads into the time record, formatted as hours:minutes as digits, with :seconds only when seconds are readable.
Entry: 8:09:00
